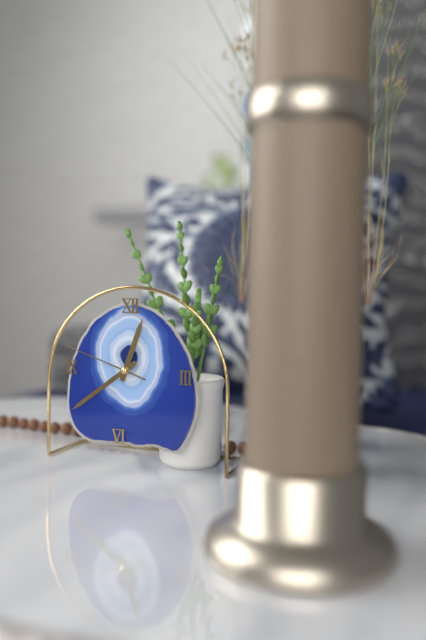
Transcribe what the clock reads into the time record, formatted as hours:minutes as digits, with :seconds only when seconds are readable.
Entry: 12:39:48
